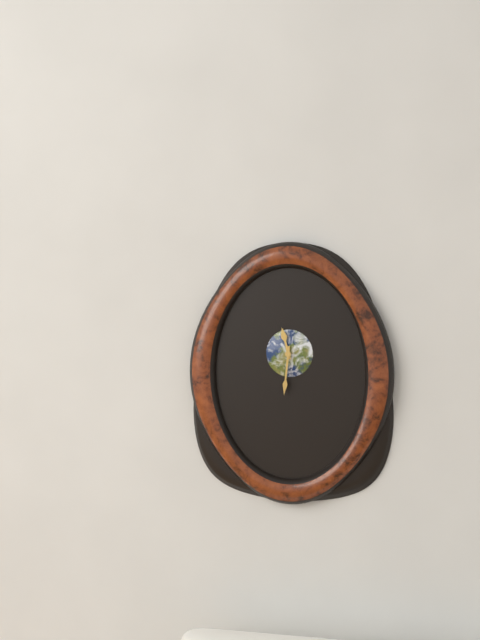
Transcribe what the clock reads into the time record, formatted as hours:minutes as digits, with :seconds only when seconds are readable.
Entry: 11:31
